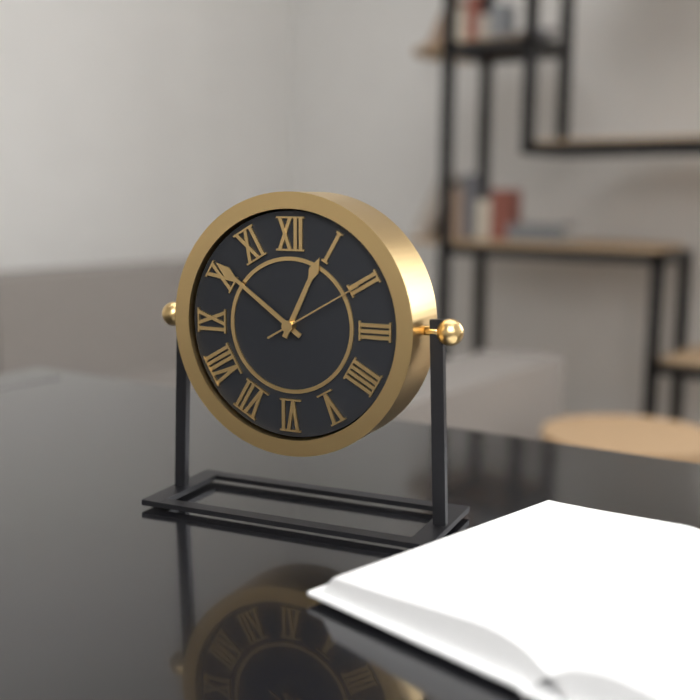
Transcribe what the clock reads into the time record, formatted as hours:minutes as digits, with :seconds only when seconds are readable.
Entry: 12:51:10
